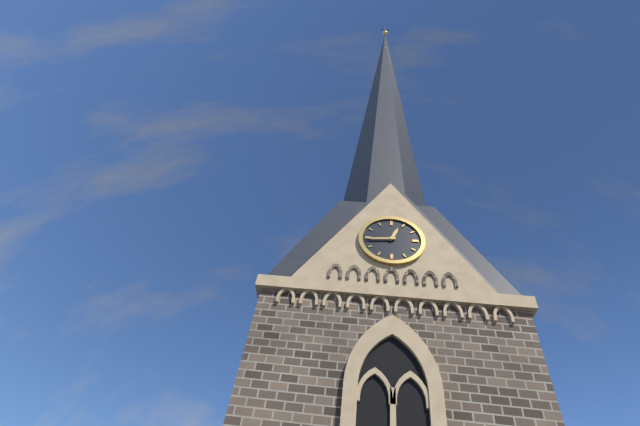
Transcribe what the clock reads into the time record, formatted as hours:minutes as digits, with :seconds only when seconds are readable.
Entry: 12:44
